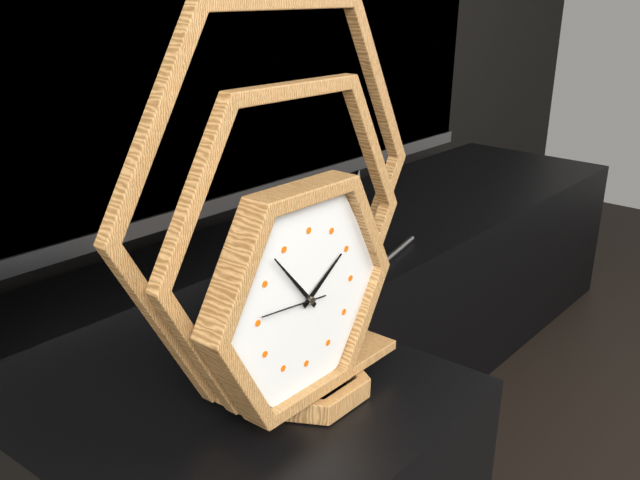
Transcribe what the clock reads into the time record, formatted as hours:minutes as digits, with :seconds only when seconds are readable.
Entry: 1:53
